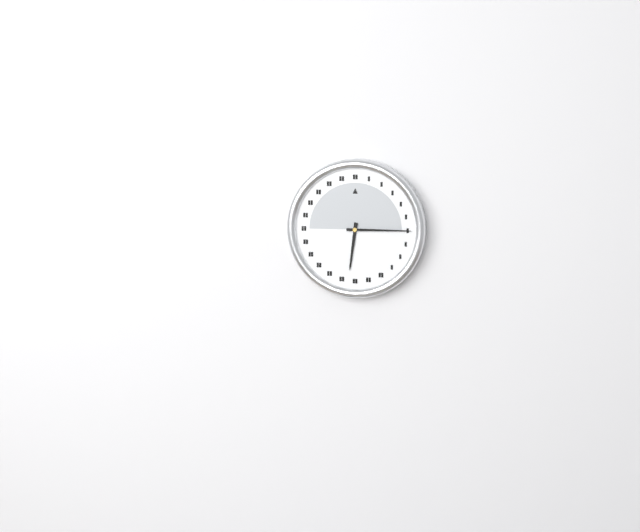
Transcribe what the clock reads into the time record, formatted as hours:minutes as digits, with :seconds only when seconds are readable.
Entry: 6:15
